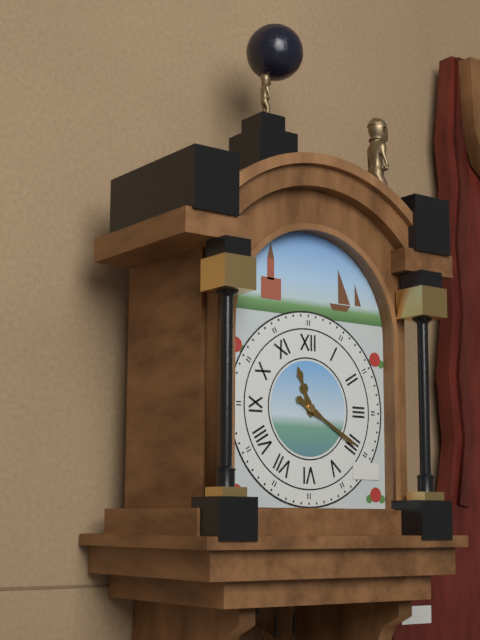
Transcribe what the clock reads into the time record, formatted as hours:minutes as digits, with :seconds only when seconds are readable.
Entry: 11:20
